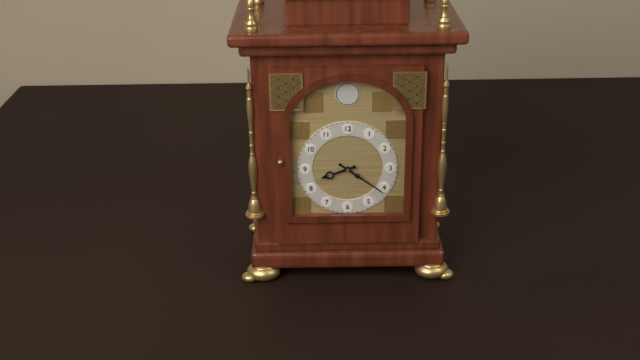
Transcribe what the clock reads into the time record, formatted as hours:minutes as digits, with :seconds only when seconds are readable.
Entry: 8:21
